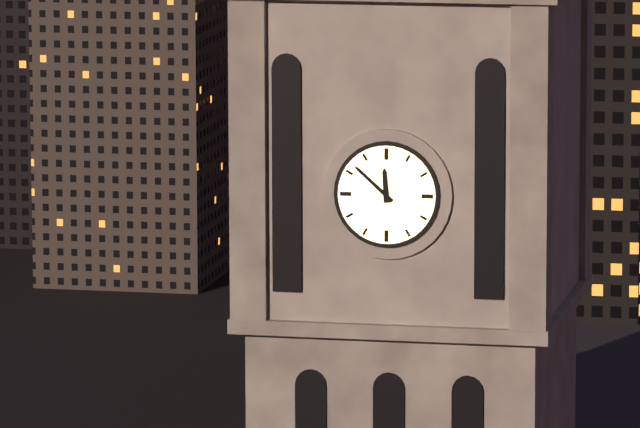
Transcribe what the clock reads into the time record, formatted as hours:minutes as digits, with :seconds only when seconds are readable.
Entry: 11:52
